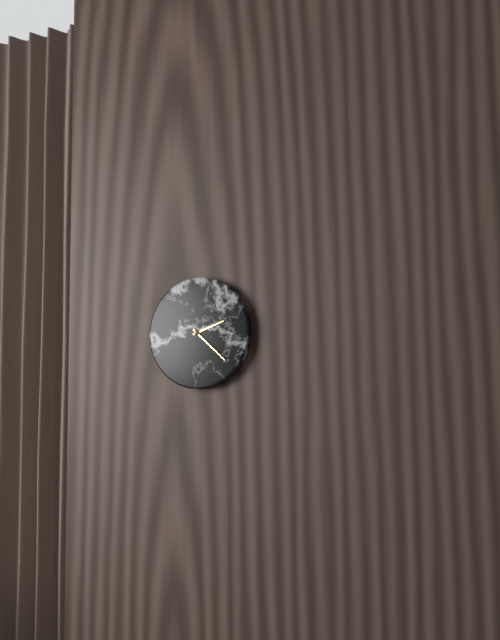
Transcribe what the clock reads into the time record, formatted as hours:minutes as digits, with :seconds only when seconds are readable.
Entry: 2:22
